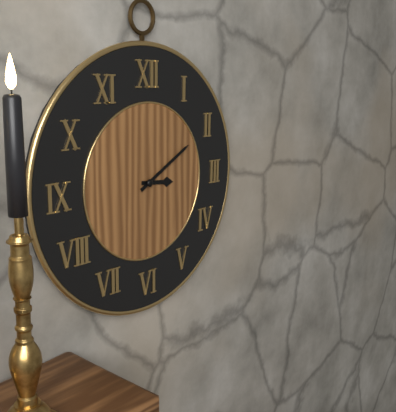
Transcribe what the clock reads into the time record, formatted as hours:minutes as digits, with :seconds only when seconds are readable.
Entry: 3:10
